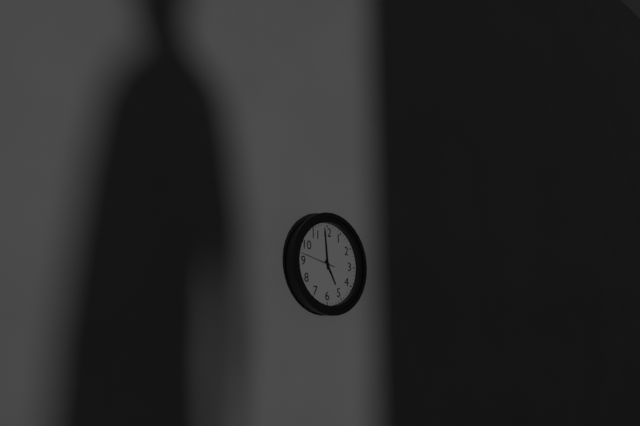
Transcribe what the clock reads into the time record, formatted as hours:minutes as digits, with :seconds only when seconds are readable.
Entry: 4:59
